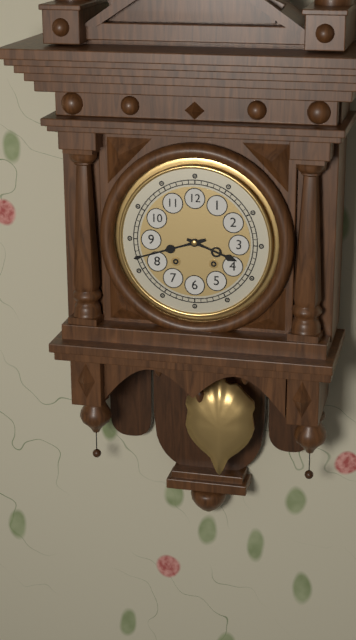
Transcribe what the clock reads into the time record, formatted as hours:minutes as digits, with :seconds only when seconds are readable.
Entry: 3:42
